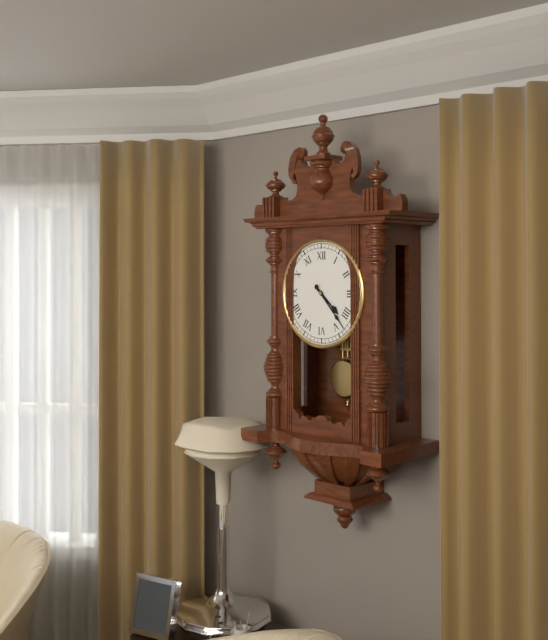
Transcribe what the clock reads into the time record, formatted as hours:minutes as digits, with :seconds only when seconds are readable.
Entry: 4:23
